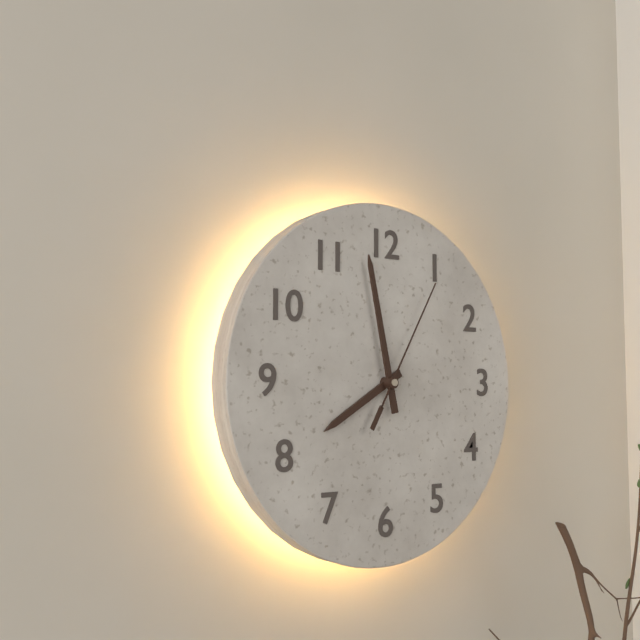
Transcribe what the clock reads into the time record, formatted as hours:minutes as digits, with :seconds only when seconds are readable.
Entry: 7:58:05
